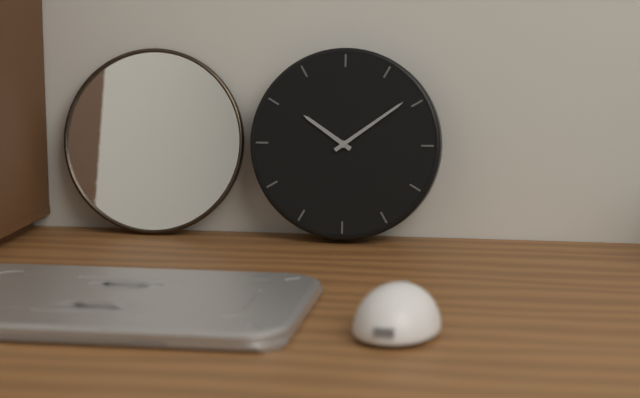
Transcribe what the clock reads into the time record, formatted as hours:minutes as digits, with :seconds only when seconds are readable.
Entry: 10:09
